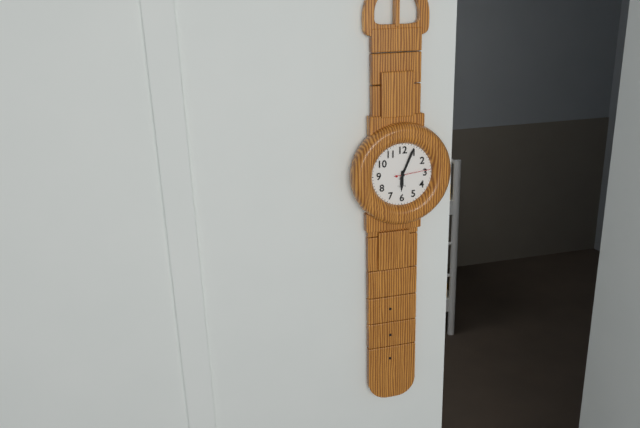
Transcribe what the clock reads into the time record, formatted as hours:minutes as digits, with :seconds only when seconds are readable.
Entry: 6:04
